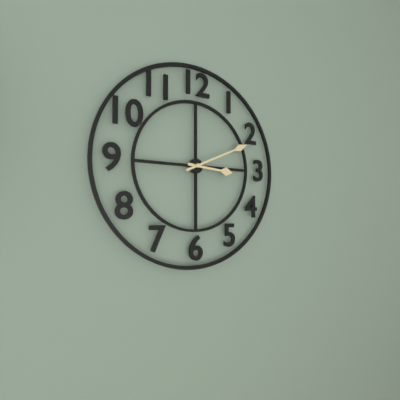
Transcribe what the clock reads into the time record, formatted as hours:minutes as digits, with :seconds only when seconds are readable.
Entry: 3:11
